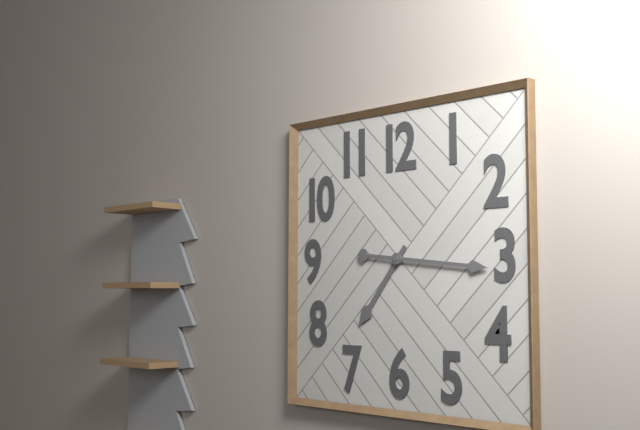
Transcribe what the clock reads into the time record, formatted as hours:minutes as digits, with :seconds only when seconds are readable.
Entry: 7:16
